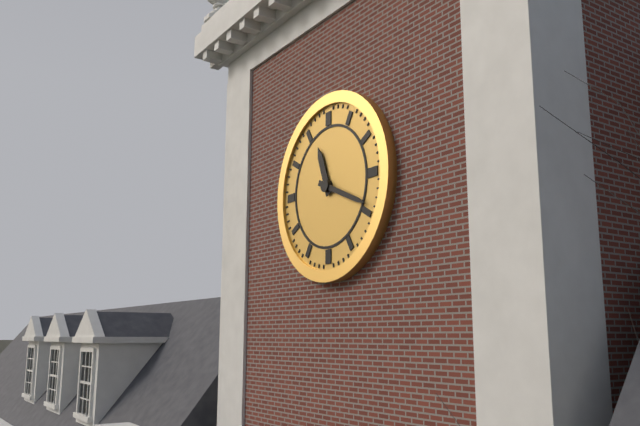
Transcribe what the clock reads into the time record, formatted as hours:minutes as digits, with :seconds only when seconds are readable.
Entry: 11:19
